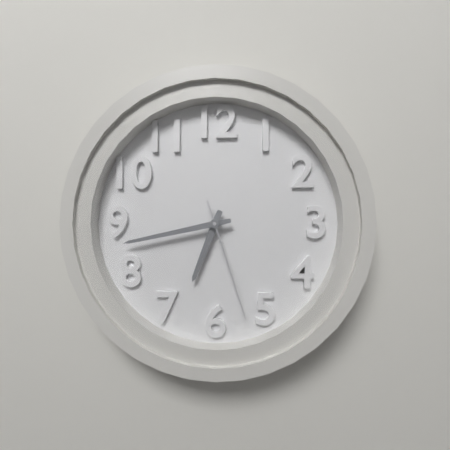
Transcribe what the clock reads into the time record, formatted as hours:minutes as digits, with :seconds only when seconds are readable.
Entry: 6:43:27
